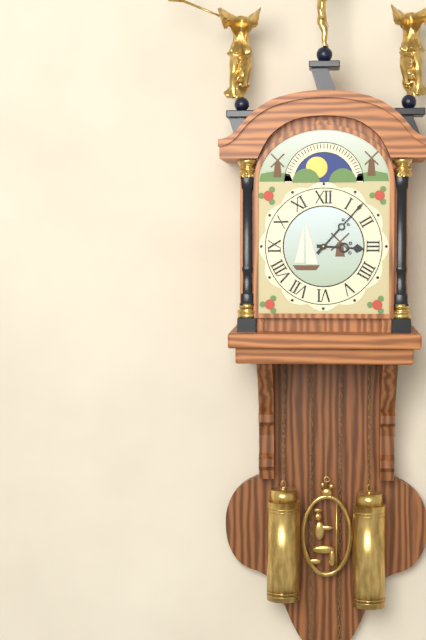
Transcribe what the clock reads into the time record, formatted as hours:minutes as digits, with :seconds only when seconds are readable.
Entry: 3:07
